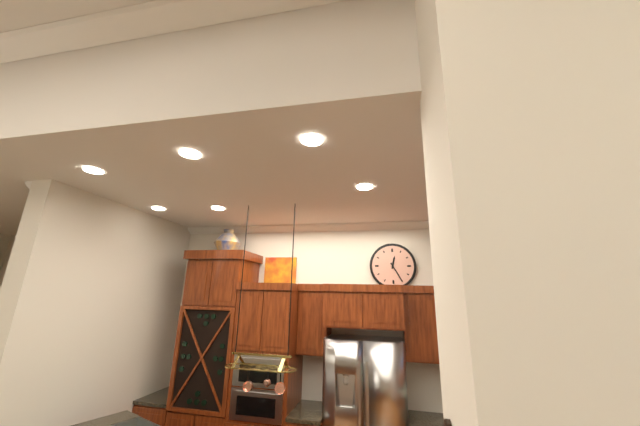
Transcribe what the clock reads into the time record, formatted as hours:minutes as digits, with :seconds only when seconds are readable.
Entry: 12:25
